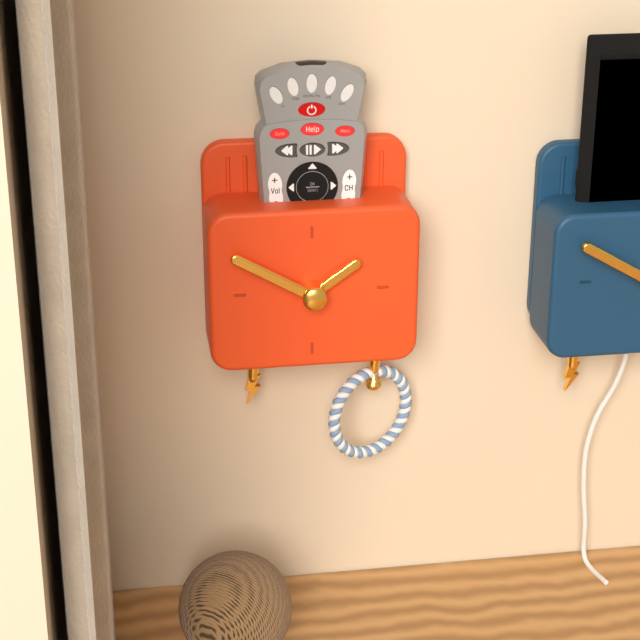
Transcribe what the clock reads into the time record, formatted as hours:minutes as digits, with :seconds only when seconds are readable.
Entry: 1:50
